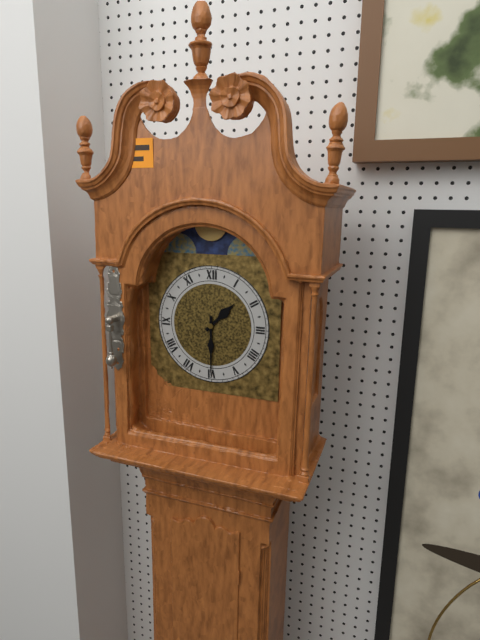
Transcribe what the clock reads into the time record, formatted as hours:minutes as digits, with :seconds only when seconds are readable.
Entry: 1:30
